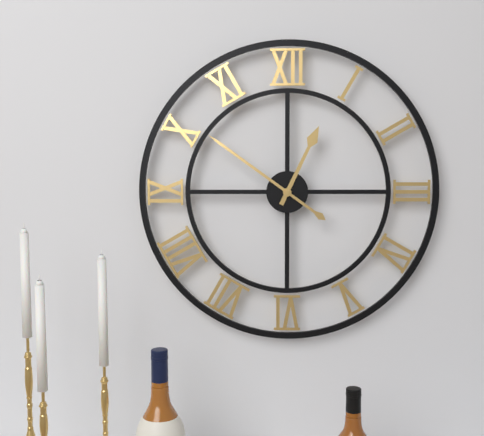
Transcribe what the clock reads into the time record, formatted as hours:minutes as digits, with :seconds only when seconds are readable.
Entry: 12:51
